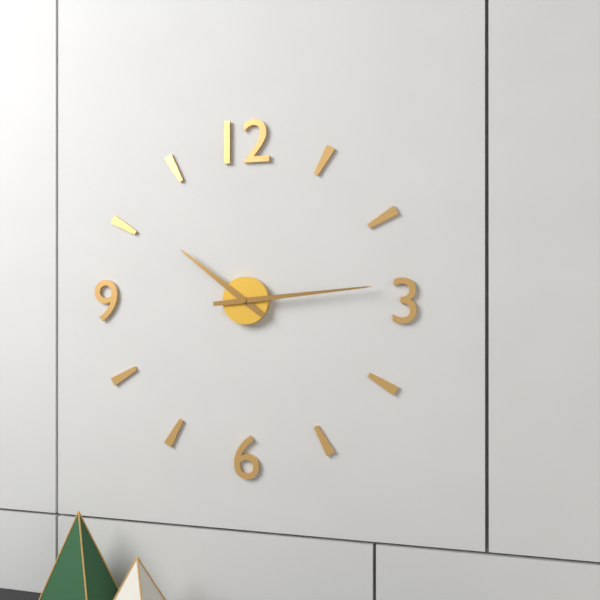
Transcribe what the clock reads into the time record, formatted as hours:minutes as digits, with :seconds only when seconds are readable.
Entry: 10:14
